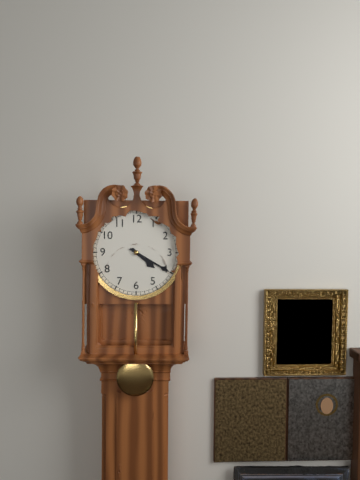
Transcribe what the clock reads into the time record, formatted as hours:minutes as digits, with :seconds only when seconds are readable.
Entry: 4:20
